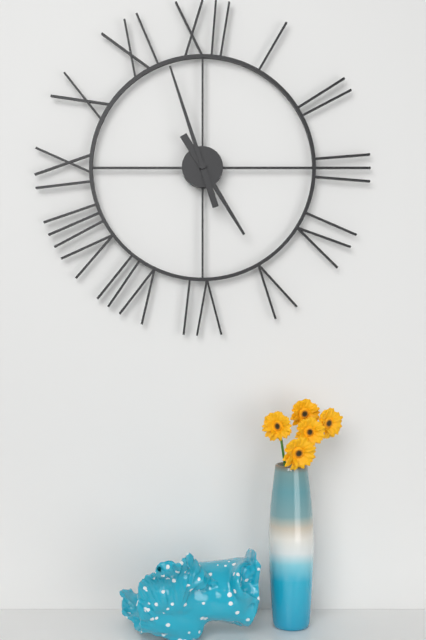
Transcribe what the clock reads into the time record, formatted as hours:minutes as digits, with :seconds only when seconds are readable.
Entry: 4:57
